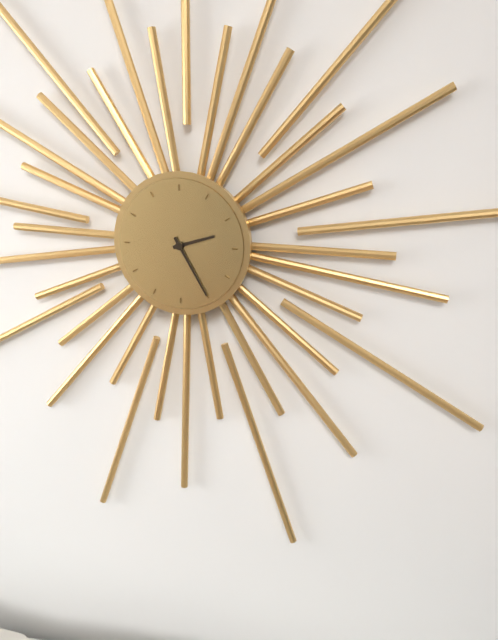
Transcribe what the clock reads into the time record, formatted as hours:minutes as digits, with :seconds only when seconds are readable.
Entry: 2:25
